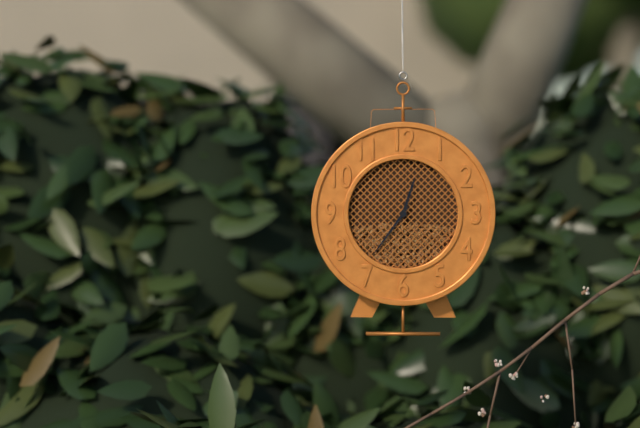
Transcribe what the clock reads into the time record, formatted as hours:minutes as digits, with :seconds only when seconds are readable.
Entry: 12:36
